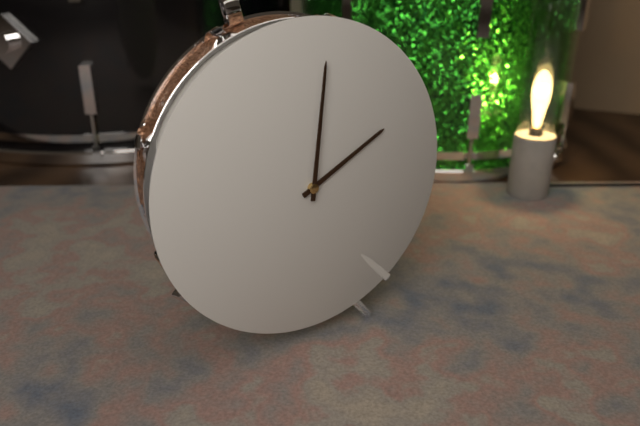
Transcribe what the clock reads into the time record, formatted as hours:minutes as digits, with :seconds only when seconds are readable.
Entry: 2:01
